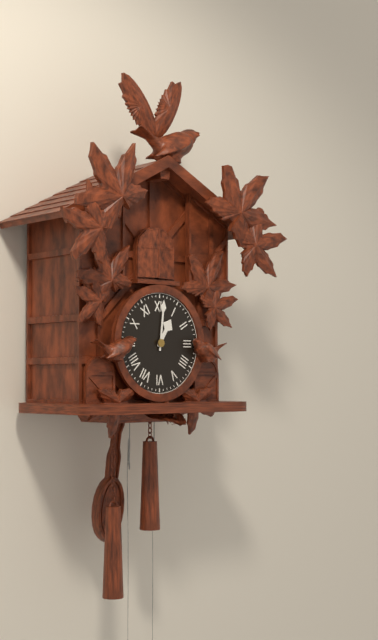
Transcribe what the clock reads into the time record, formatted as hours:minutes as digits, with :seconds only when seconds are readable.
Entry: 1:01
